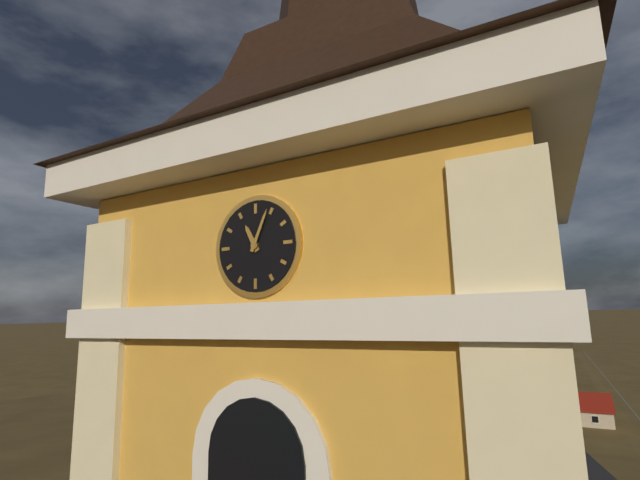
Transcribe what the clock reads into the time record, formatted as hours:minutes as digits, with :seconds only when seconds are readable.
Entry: 11:04
